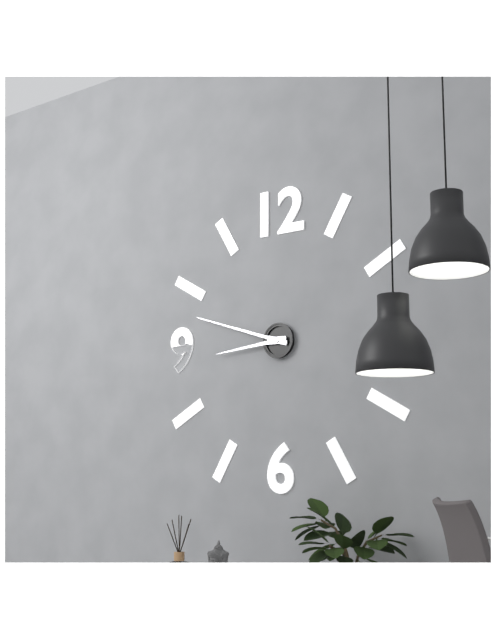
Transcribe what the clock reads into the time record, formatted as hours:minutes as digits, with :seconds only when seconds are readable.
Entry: 8:48
